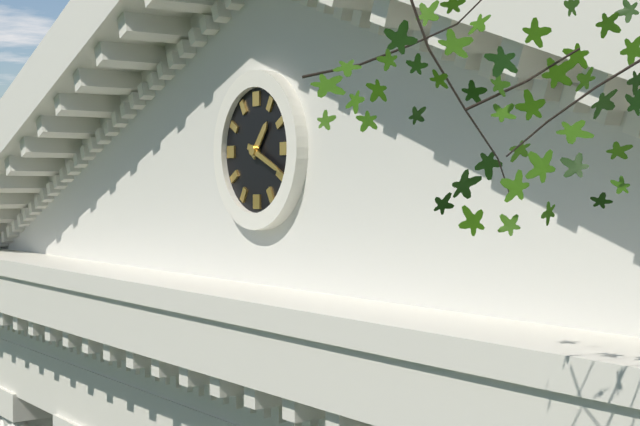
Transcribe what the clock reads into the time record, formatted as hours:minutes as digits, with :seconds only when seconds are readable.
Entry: 1:19
